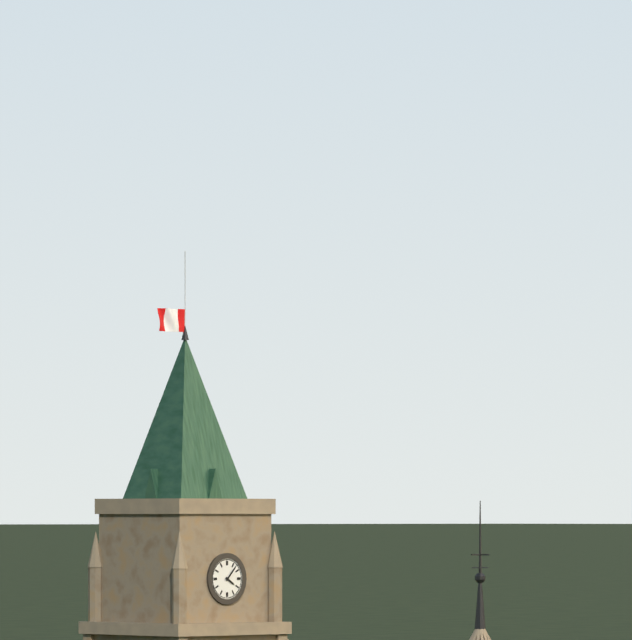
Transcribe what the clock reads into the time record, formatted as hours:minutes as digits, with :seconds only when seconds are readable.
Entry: 4:07
